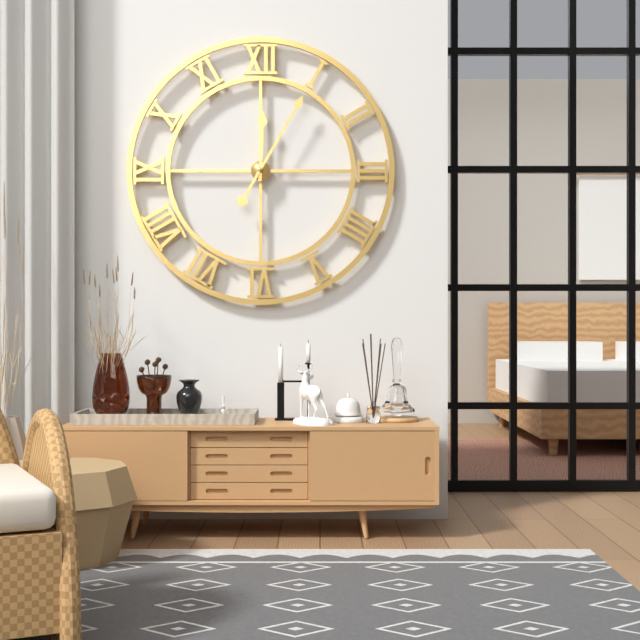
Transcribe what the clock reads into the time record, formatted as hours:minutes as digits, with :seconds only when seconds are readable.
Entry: 12:05
